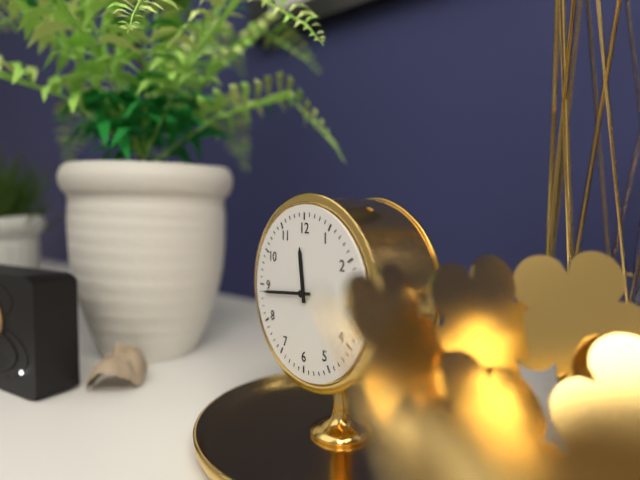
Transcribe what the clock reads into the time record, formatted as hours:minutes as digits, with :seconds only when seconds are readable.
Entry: 11:44
